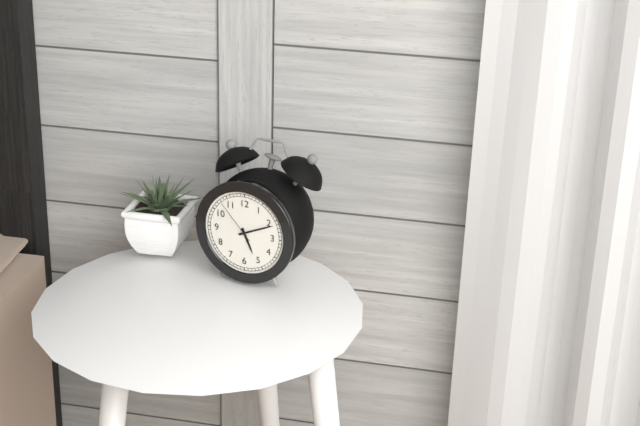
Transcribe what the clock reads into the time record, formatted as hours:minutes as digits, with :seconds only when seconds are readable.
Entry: 5:11
